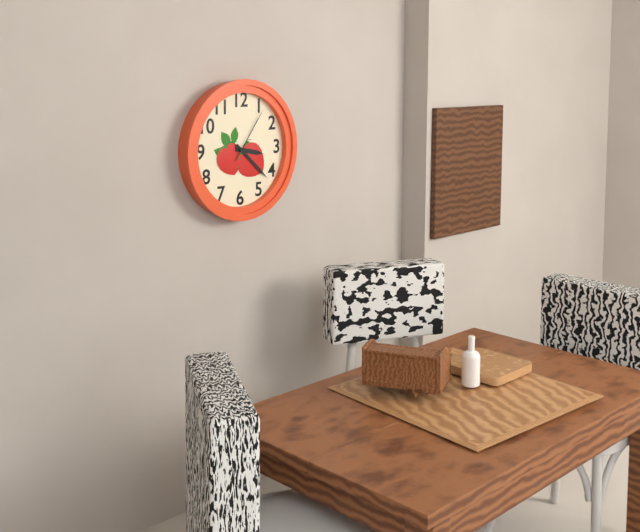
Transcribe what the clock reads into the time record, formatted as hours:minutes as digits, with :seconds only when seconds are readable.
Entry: 3:22:06
